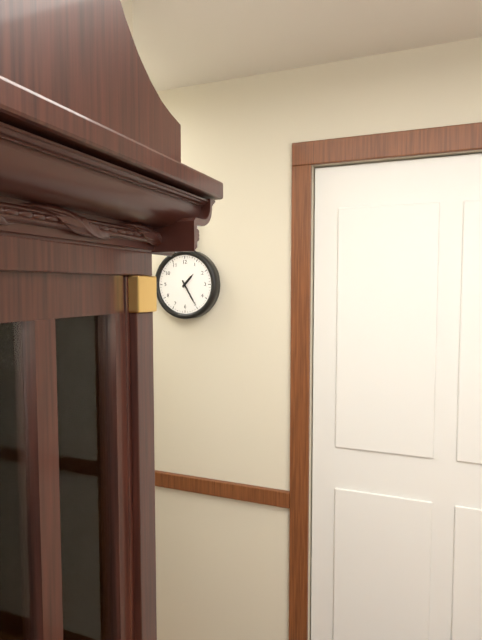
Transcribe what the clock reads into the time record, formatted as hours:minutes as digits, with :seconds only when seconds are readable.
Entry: 1:25
